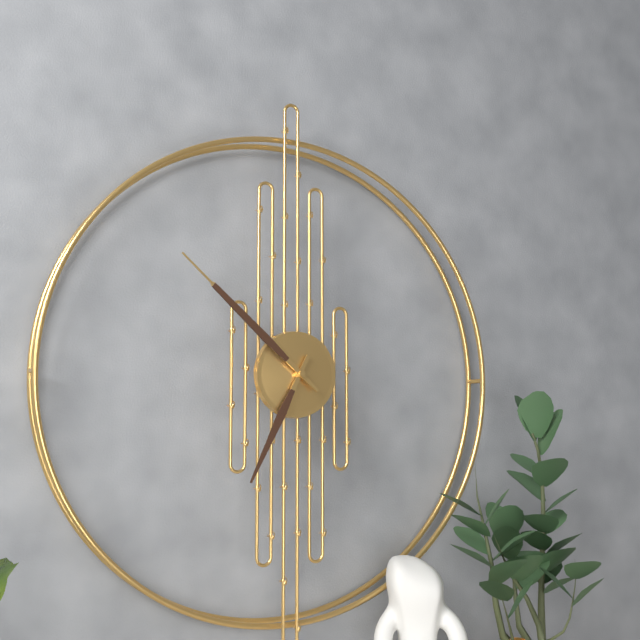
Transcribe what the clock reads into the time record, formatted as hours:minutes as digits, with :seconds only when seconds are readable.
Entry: 6:52
